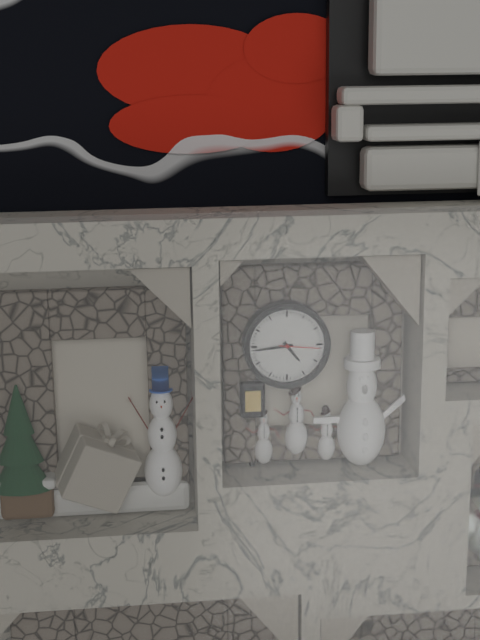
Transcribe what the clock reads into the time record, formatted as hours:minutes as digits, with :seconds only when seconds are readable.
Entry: 4:44
